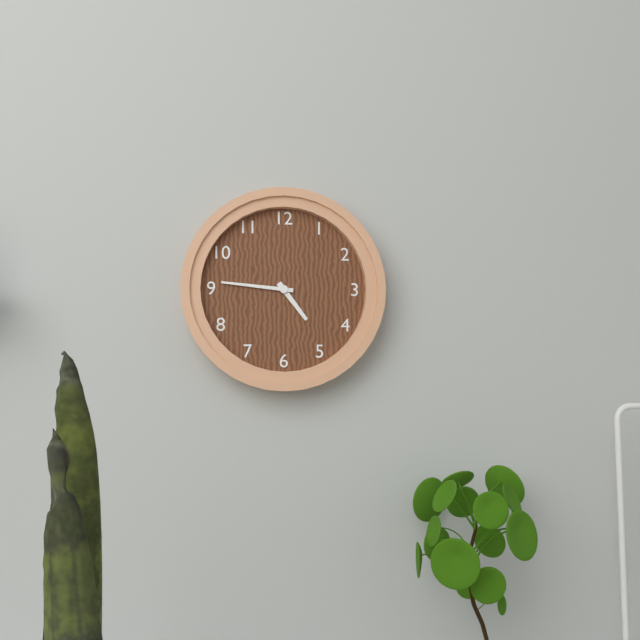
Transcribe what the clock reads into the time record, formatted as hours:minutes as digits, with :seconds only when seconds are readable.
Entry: 4:46
